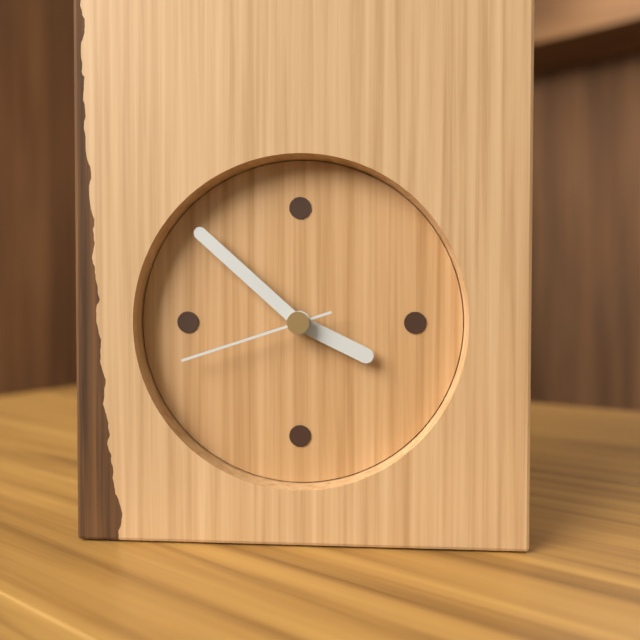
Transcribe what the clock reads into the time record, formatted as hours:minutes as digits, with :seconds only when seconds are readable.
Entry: 3:52:42
